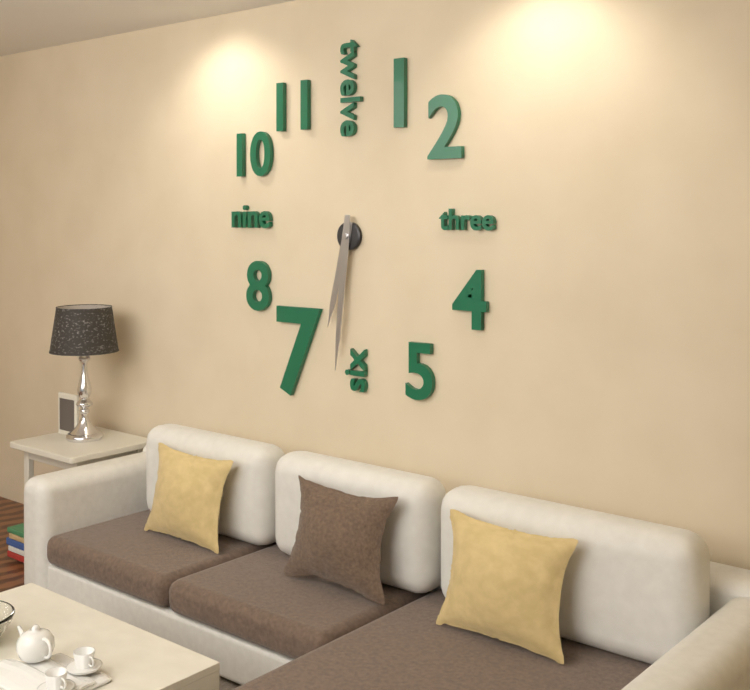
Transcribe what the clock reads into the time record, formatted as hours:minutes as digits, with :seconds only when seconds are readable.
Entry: 6:31
